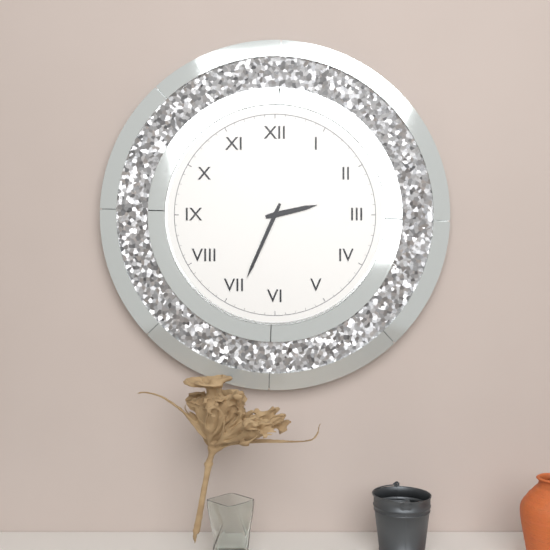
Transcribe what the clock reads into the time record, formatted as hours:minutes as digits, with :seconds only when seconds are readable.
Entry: 2:34
